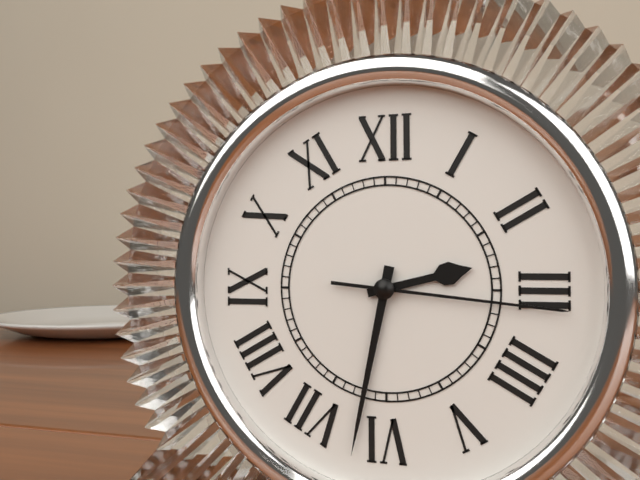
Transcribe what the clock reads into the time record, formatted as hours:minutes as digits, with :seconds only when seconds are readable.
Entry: 2:32:16
